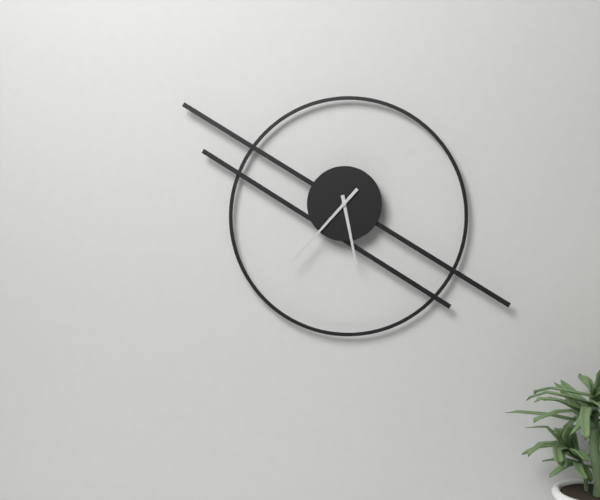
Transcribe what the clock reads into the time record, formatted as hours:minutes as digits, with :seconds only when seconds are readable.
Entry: 5:37
